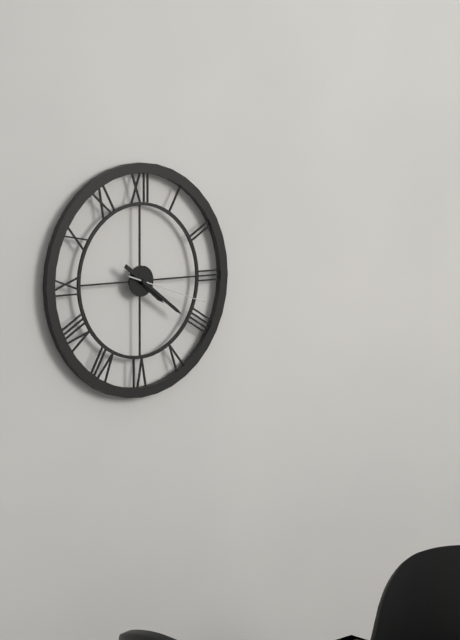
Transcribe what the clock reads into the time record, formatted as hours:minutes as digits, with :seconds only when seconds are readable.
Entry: 4:21:18
